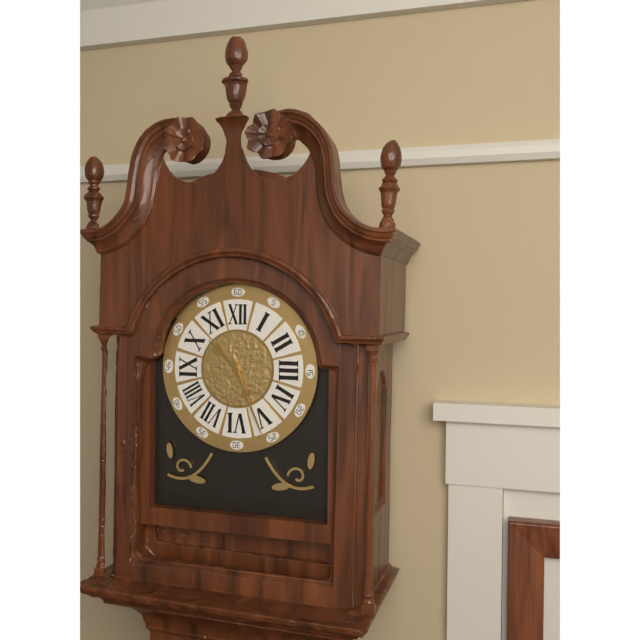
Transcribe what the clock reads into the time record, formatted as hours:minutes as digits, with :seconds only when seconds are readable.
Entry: 10:26
